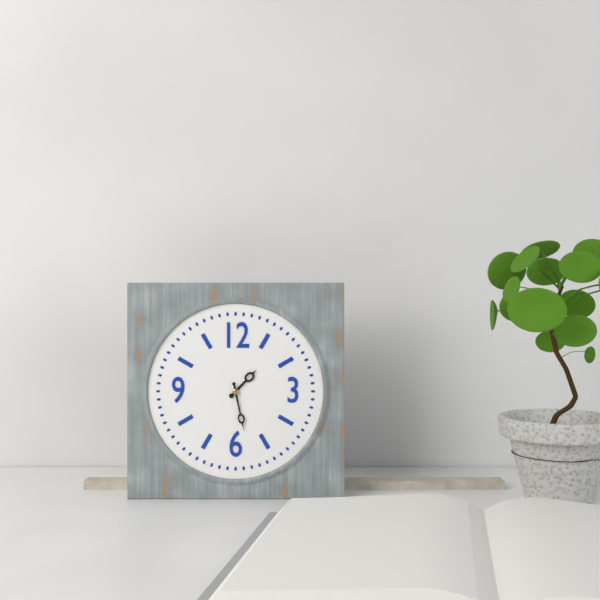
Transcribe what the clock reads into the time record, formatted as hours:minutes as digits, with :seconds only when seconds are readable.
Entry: 1:28
